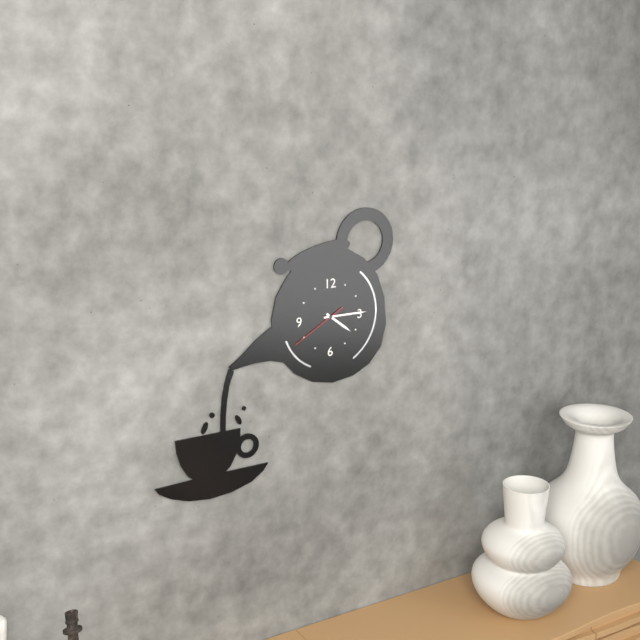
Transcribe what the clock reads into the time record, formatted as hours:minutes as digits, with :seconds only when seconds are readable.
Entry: 4:15:40
